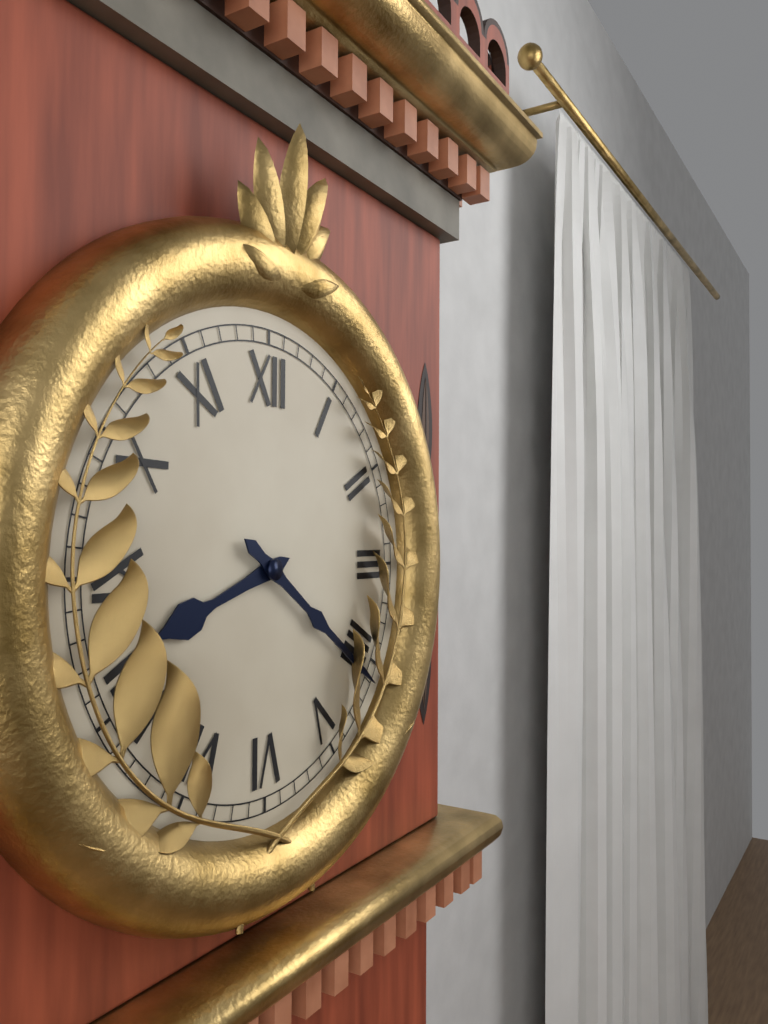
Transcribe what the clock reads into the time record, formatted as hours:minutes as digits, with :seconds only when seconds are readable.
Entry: 8:21
